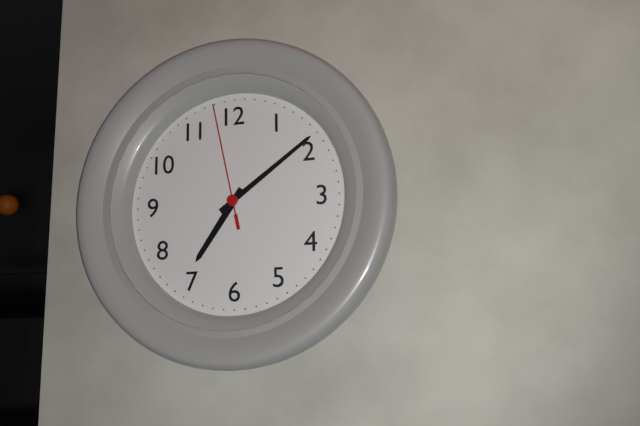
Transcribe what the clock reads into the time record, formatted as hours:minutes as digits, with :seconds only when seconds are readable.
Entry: 7:09:58
